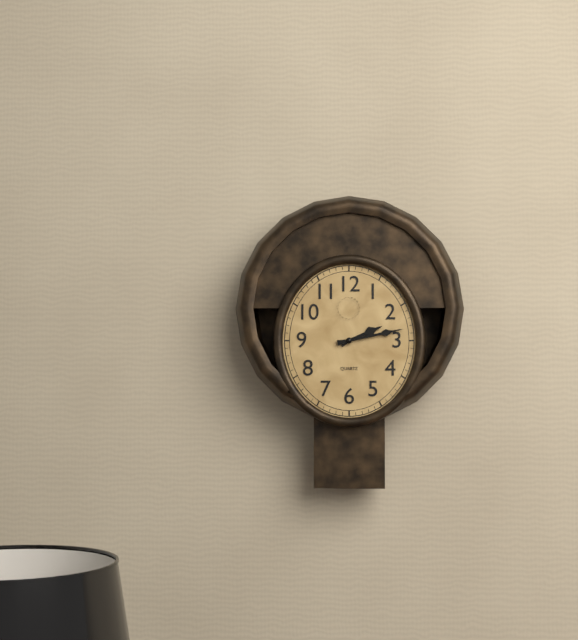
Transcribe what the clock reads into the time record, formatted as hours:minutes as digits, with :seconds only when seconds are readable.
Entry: 2:13
